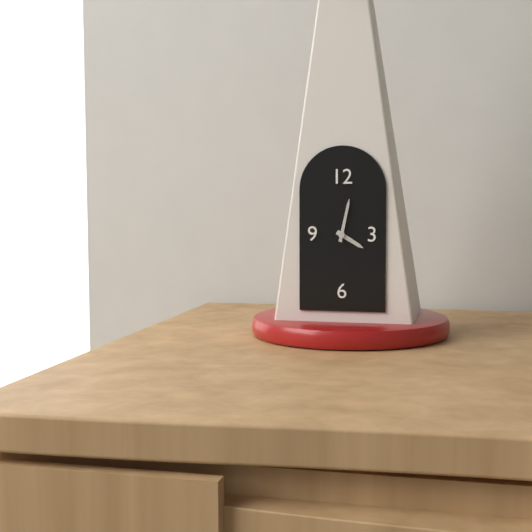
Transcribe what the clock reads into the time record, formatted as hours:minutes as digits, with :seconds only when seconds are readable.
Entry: 4:02
